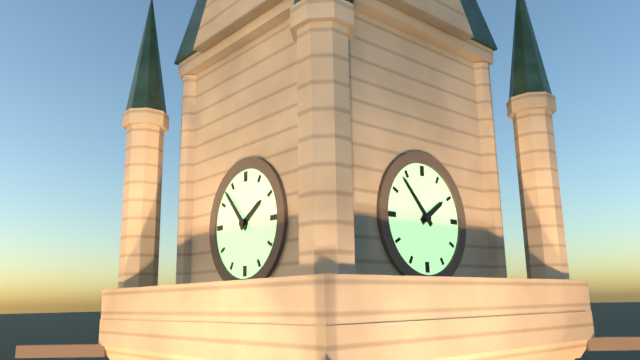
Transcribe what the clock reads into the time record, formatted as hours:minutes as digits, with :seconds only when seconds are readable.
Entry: 1:53
